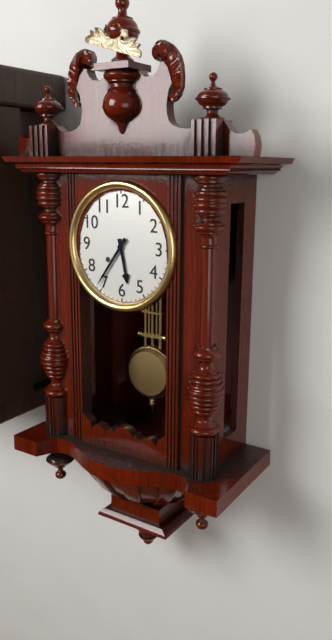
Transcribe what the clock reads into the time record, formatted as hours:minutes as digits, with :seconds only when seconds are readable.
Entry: 5:36
